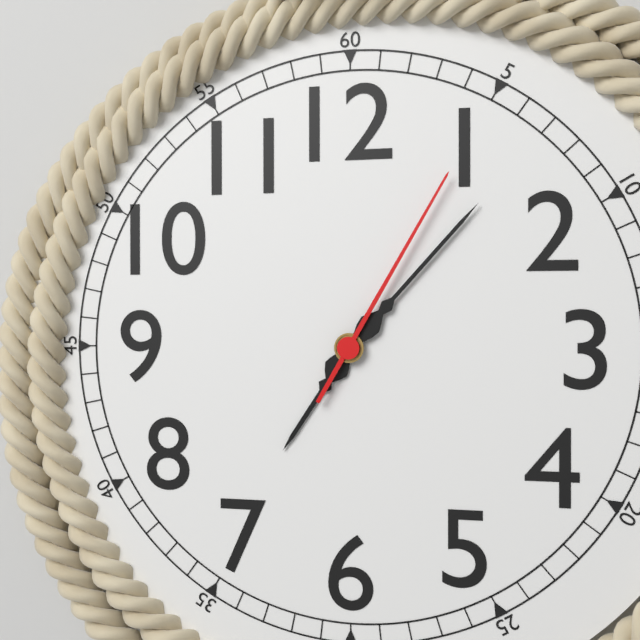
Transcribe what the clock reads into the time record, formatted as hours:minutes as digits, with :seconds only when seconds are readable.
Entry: 7:07:05
